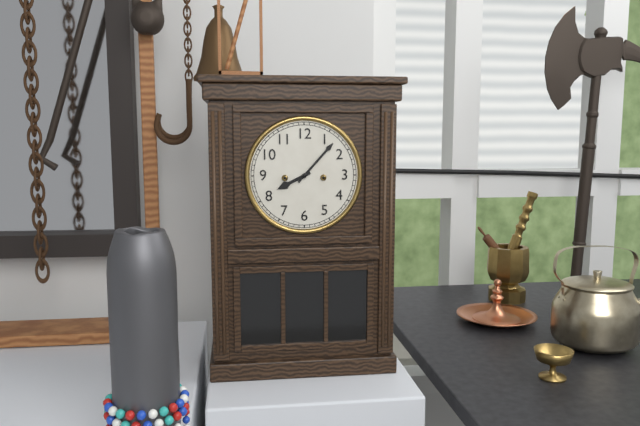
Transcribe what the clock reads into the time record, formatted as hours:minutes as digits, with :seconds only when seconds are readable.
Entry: 8:07
